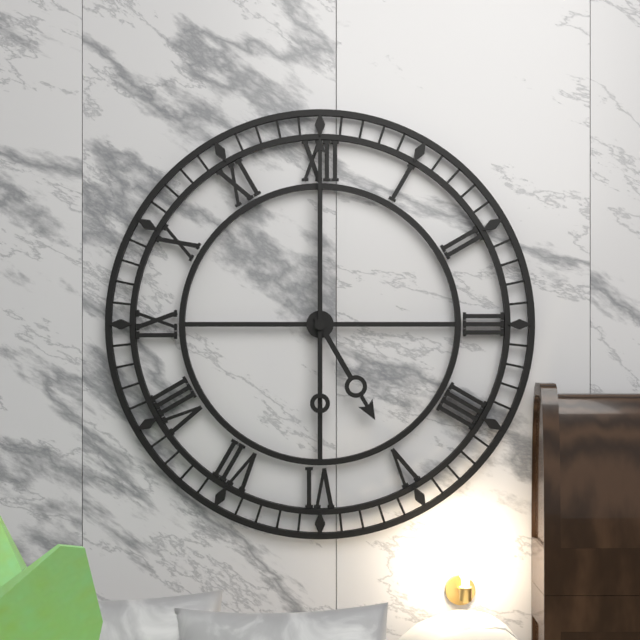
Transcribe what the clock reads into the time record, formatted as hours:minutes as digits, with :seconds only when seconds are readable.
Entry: 5:00
